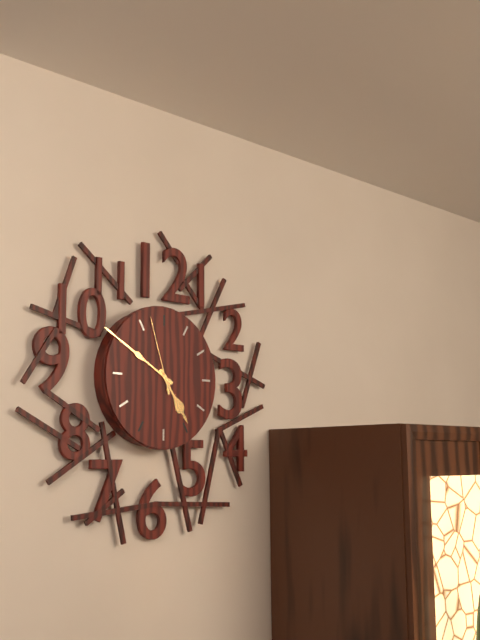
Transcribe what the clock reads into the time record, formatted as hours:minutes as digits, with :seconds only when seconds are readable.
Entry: 4:50:57
